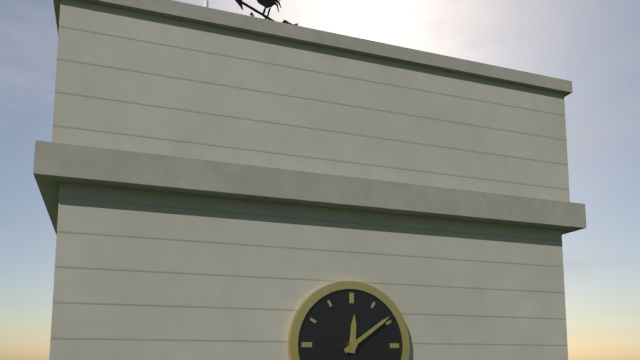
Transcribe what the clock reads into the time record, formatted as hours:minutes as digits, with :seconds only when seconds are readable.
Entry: 12:09
